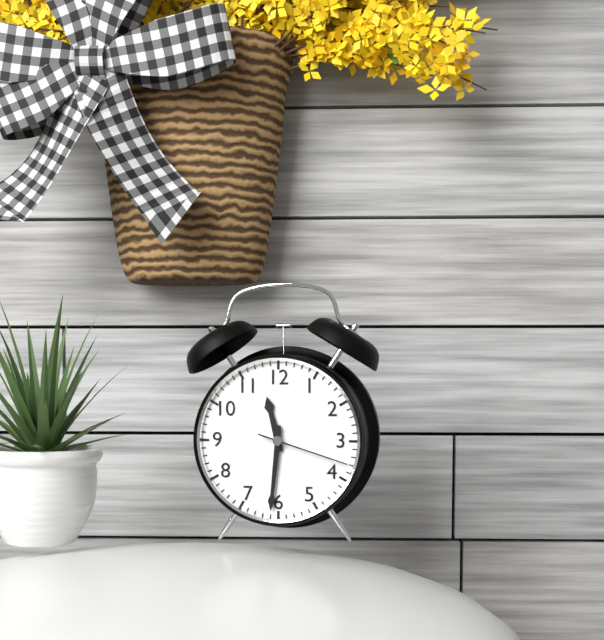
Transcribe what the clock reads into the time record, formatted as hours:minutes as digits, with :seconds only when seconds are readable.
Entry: 11:31:18
